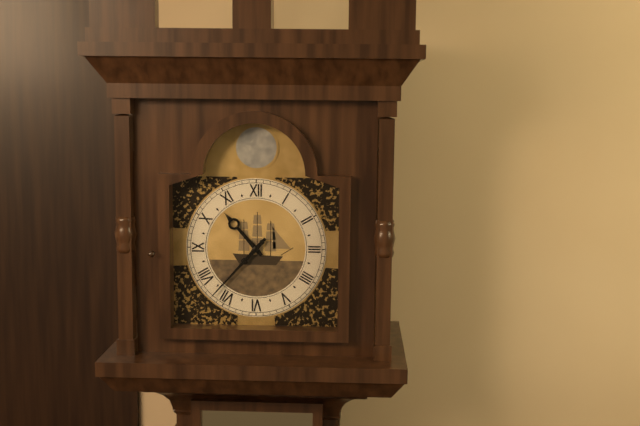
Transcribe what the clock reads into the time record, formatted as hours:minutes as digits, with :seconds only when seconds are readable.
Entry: 10:37
